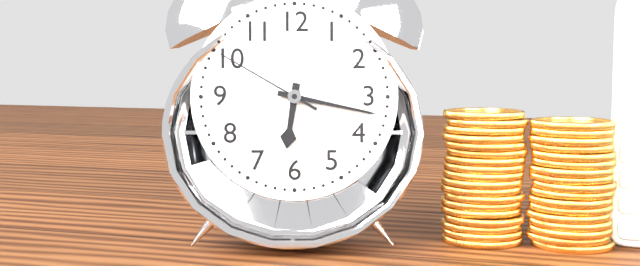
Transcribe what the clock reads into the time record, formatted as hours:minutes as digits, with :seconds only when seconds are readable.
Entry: 6:17:50
